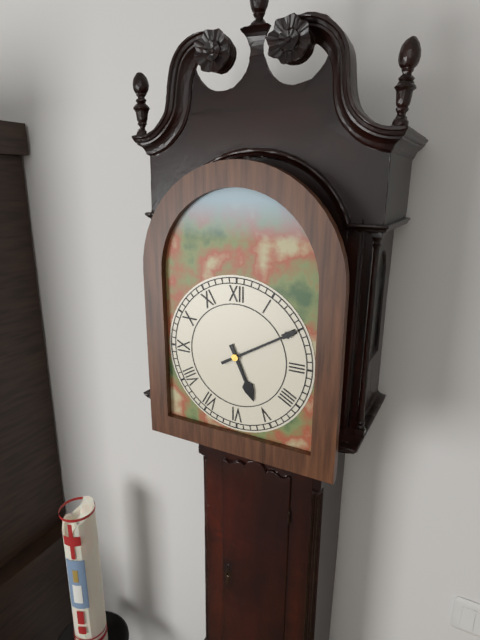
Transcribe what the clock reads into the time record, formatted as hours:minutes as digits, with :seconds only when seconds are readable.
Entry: 5:10
